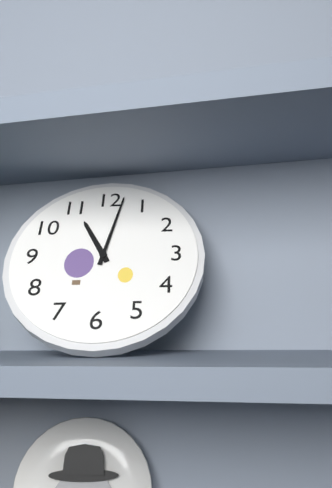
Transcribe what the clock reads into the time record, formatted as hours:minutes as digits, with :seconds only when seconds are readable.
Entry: 11:02
